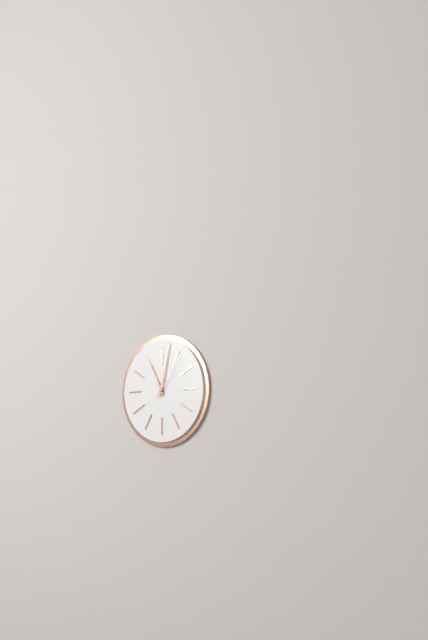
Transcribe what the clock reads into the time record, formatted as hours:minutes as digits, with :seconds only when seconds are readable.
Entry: 11:02
